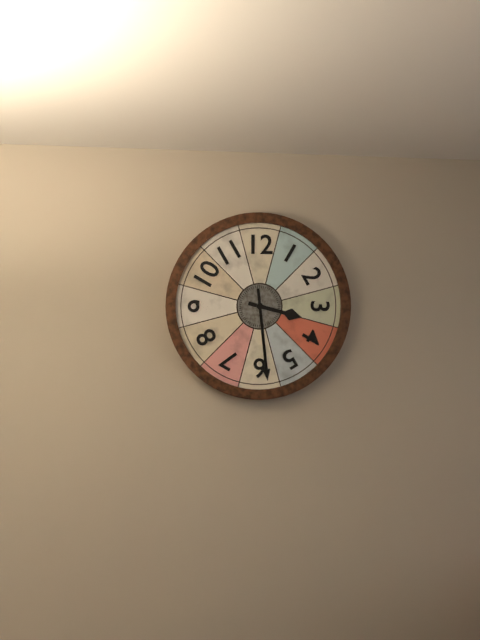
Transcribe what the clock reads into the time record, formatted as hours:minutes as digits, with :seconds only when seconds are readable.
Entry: 3:29
